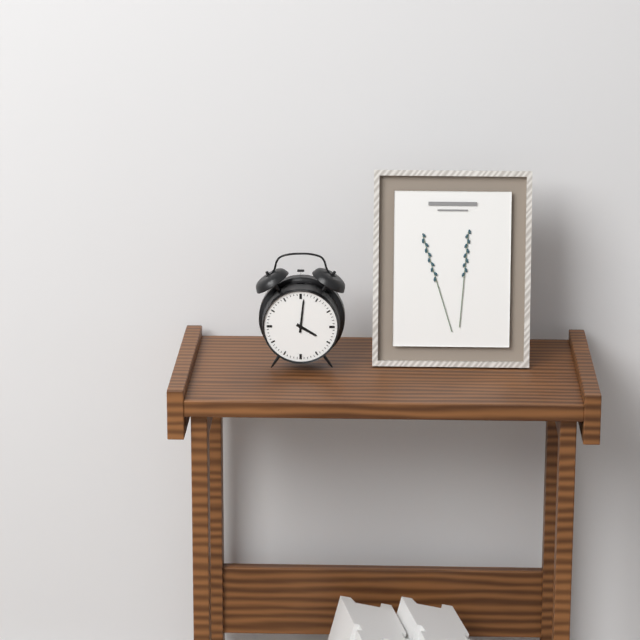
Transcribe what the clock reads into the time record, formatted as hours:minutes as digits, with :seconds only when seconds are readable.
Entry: 4:01
